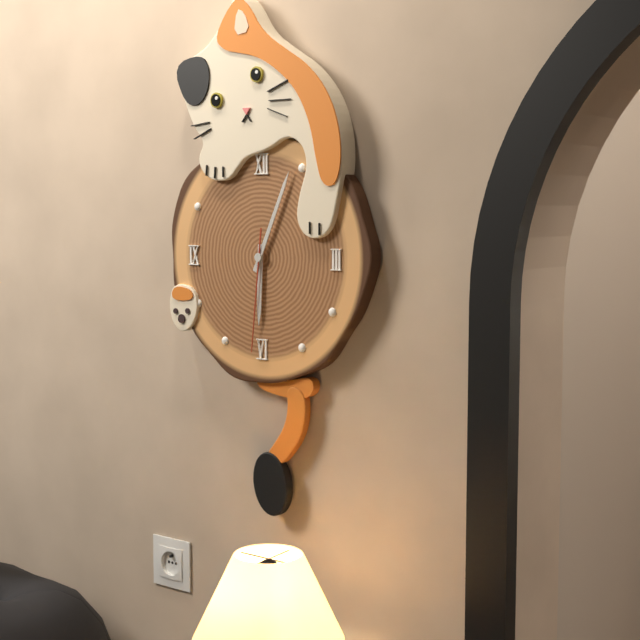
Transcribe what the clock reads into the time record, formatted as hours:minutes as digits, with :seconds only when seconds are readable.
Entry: 6:04:31
